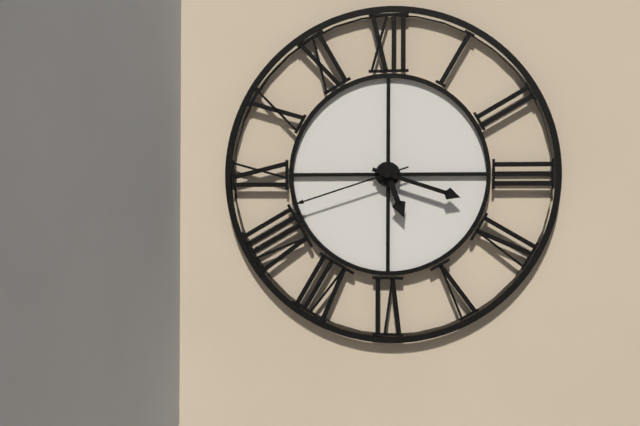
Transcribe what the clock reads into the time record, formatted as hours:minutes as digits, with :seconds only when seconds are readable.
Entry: 5:18:42
